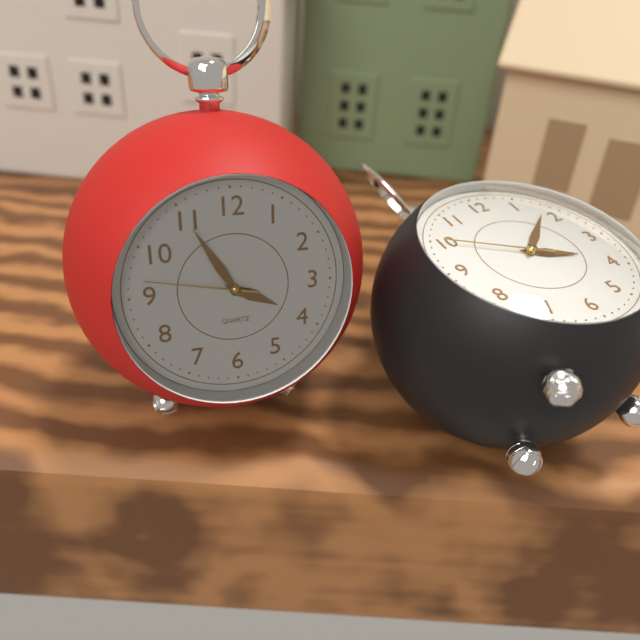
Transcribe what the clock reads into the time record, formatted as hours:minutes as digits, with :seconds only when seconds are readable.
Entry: 3:55:47
